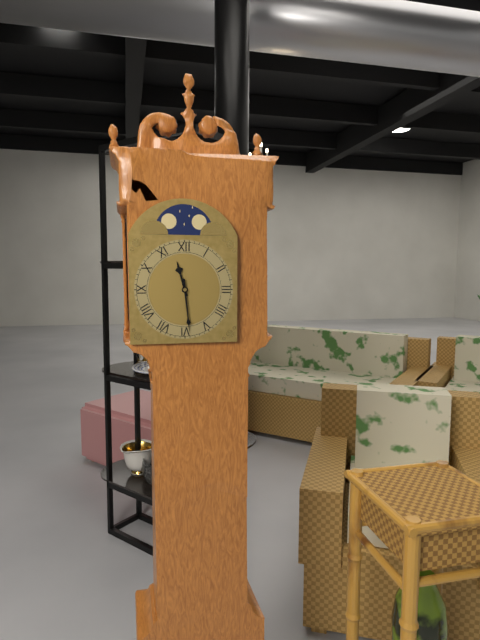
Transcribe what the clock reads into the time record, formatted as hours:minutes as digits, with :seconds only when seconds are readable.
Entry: 11:29
